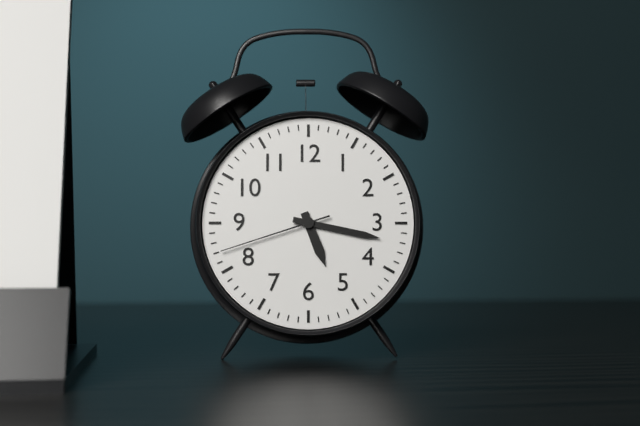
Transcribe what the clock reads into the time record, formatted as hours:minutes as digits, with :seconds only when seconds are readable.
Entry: 5:17:42
